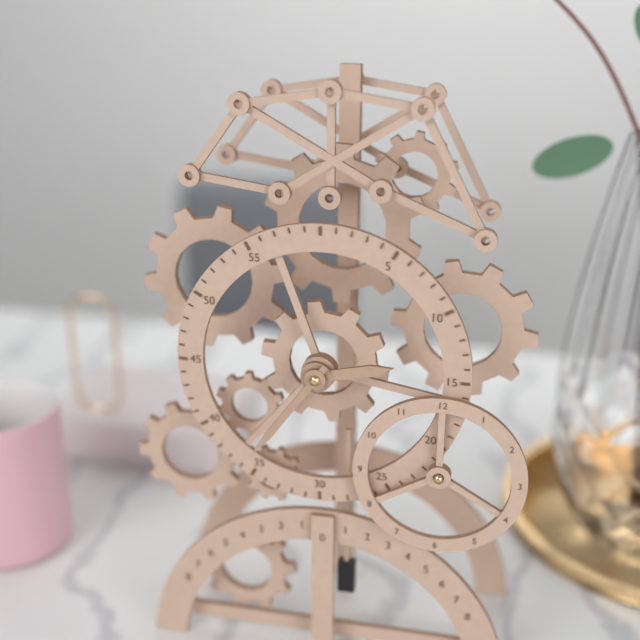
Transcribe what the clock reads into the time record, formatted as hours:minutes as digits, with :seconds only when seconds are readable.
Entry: 2:36
